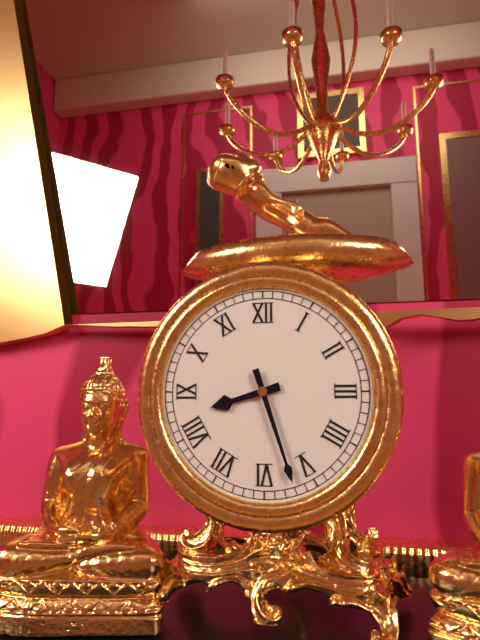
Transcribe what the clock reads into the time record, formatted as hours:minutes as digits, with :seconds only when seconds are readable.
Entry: 8:27
